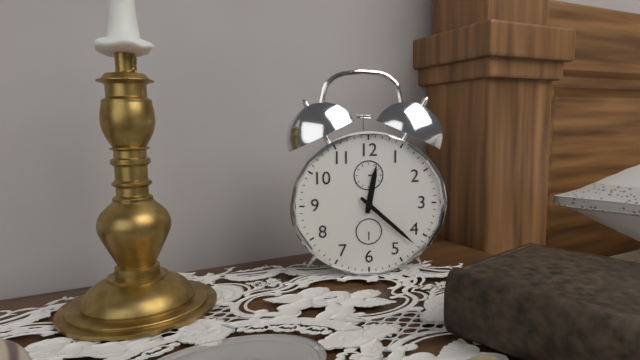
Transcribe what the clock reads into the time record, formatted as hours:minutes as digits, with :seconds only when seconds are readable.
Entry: 12:22
